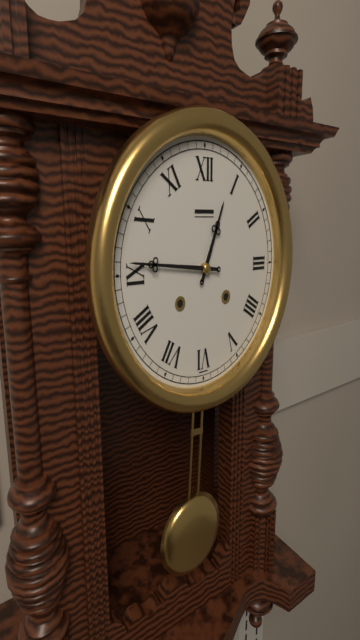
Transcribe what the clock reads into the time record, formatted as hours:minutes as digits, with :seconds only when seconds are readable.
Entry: 12:46
